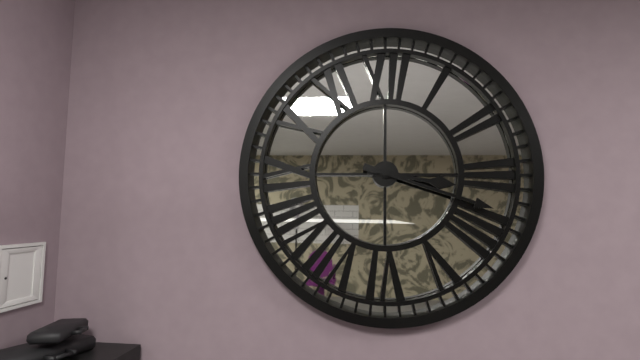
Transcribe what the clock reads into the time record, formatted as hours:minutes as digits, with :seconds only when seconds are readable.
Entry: 3:18
